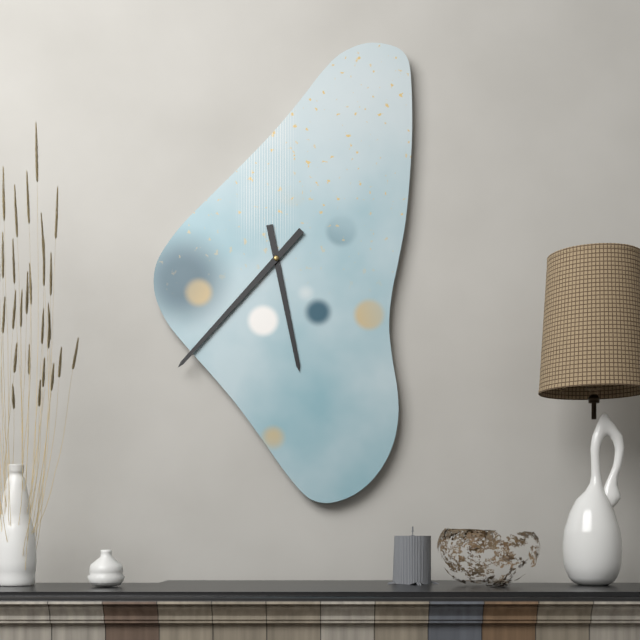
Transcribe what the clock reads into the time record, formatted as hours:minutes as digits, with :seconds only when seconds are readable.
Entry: 5:37
